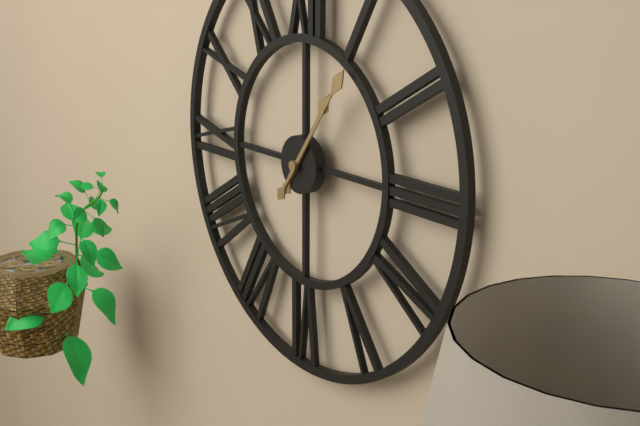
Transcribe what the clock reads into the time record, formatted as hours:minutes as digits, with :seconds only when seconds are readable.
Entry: 1:06
